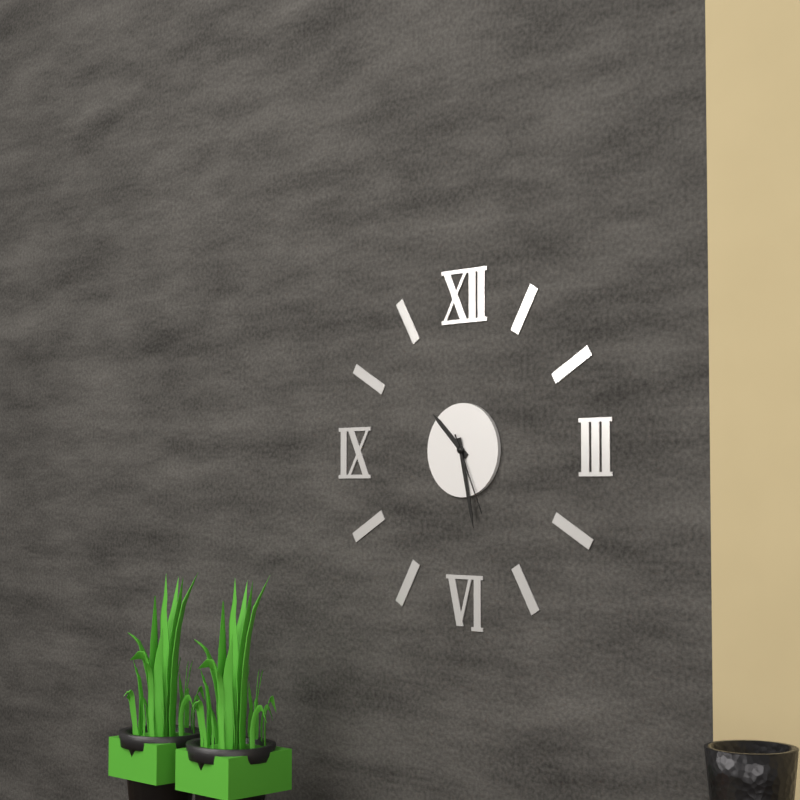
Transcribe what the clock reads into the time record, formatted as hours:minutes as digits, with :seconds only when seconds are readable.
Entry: 10:28:26
